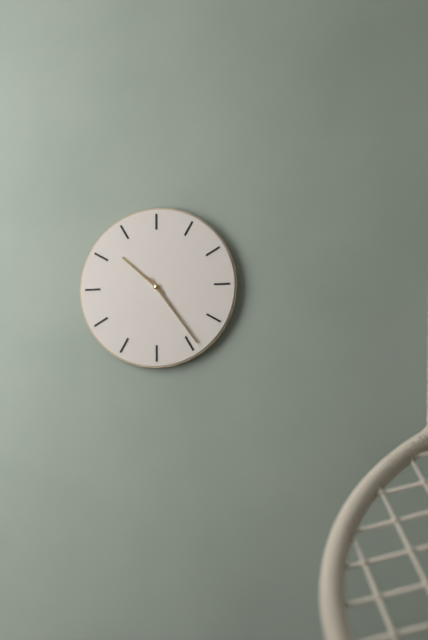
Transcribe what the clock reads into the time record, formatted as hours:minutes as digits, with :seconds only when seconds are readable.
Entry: 10:24
